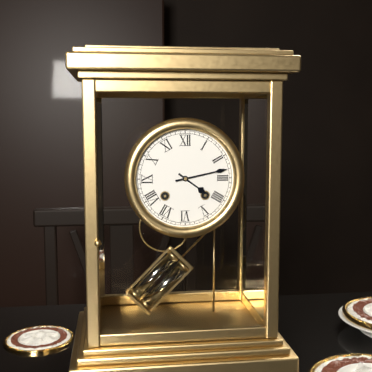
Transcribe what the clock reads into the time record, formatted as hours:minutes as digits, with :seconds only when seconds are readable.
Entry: 4:13
